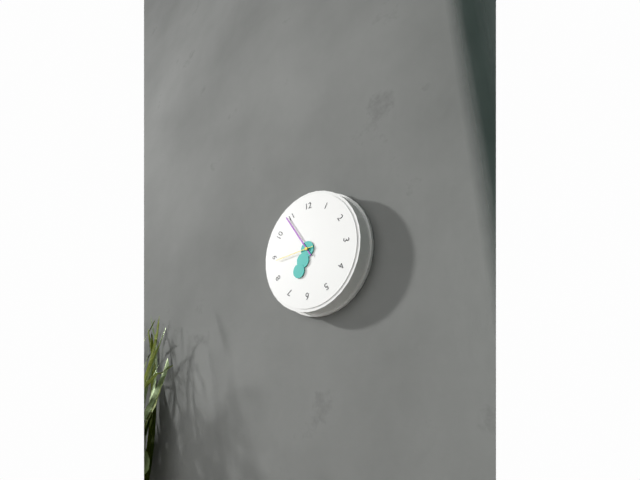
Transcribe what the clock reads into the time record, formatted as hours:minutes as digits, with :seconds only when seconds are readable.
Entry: 6:54:44
